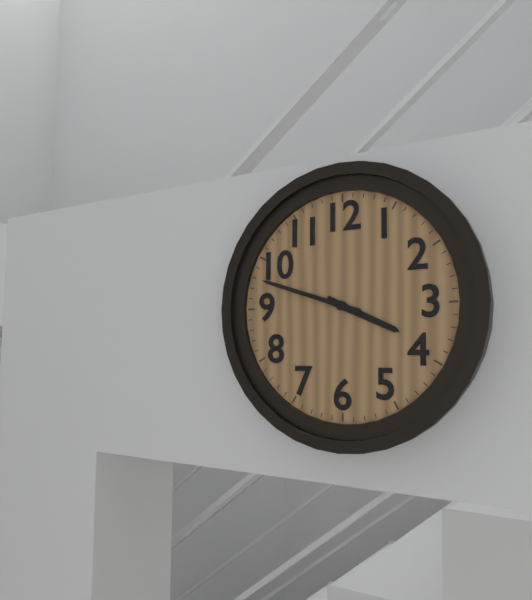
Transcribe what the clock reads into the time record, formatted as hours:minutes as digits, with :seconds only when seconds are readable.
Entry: 3:48
